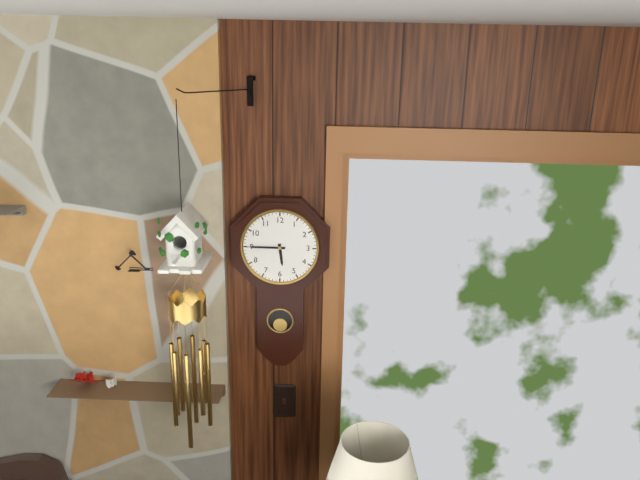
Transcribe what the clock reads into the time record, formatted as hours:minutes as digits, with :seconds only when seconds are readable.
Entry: 5:45
